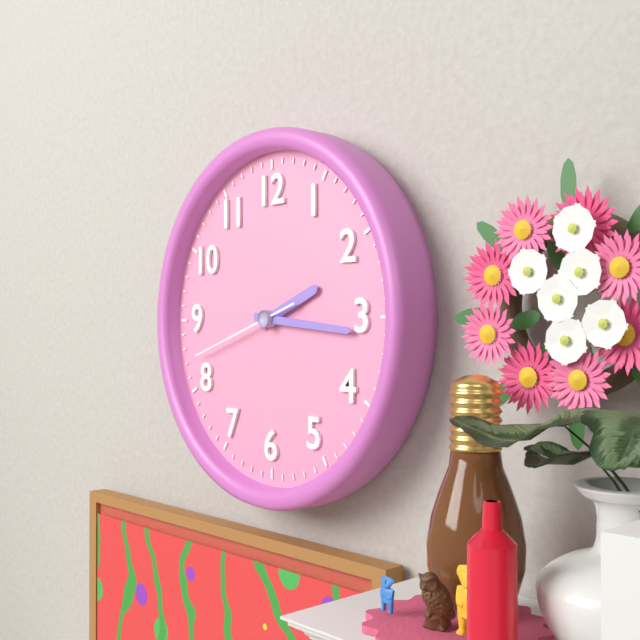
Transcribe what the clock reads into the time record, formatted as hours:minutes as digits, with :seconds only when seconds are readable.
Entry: 2:16:42
